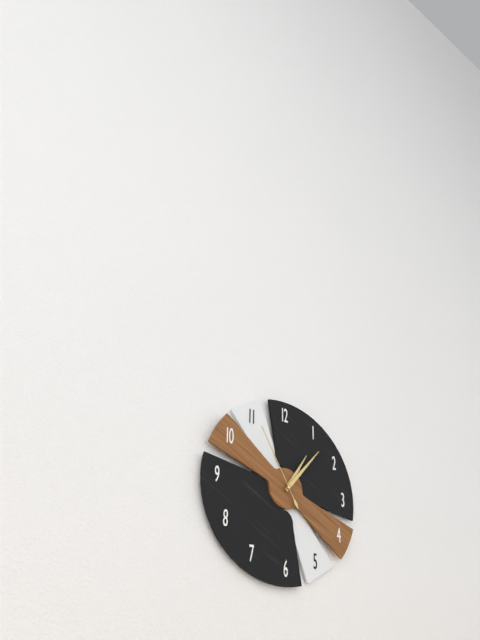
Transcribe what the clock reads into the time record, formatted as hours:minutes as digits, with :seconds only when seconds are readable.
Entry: 1:07:55
